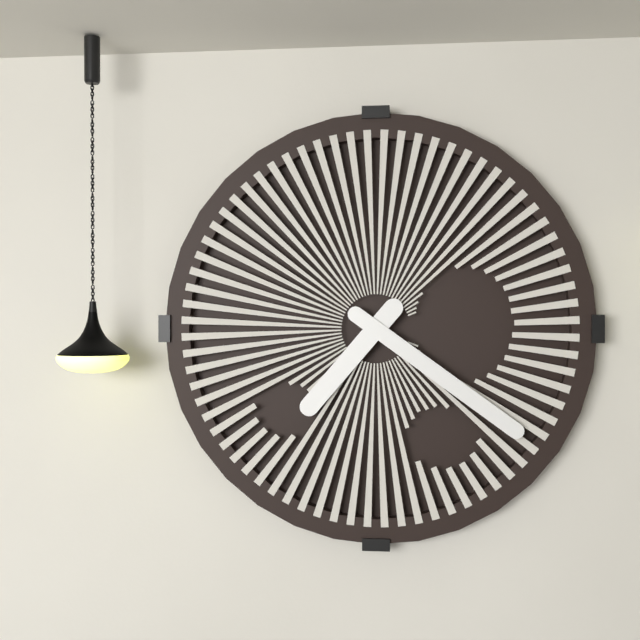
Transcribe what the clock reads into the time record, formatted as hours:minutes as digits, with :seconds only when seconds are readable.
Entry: 7:21
